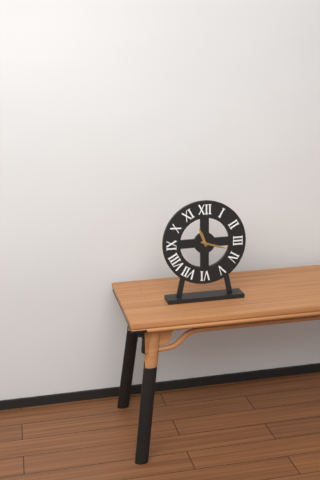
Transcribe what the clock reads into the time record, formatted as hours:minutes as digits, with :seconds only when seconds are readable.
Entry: 11:18
